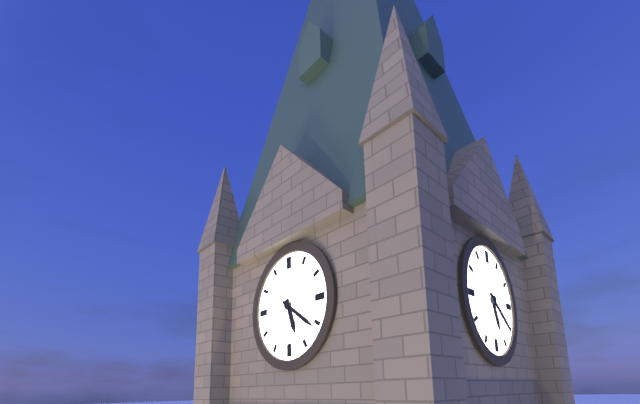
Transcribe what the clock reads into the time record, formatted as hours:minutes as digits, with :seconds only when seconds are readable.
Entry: 5:21
